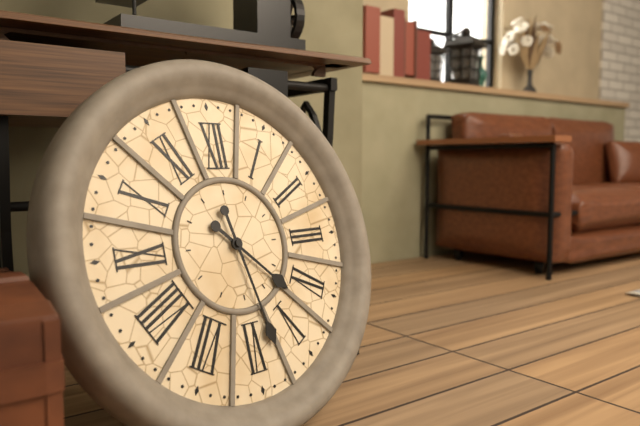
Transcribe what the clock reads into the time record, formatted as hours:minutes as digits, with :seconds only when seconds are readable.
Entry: 4:28
